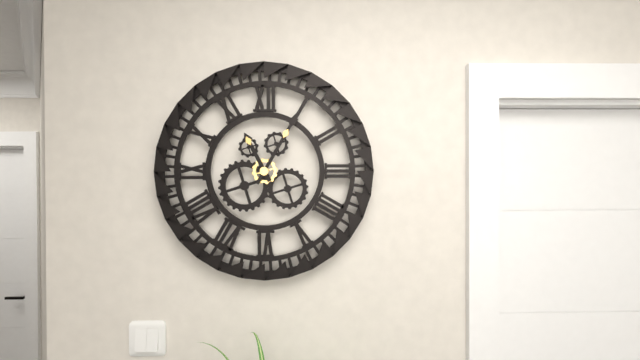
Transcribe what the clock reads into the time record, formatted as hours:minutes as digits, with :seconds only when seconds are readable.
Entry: 11:05
